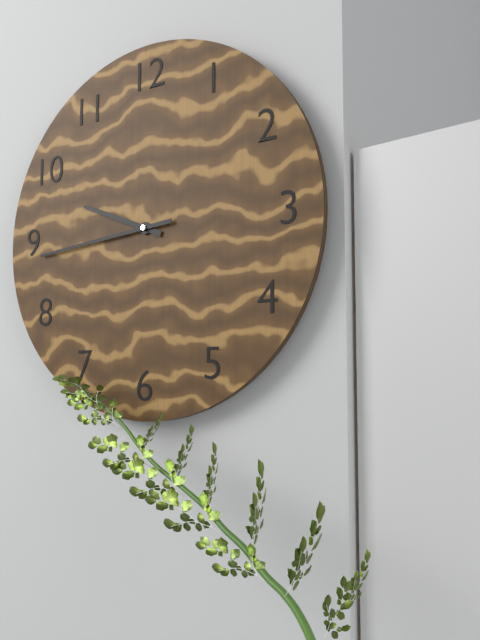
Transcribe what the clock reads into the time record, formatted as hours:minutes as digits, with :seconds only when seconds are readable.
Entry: 9:44
